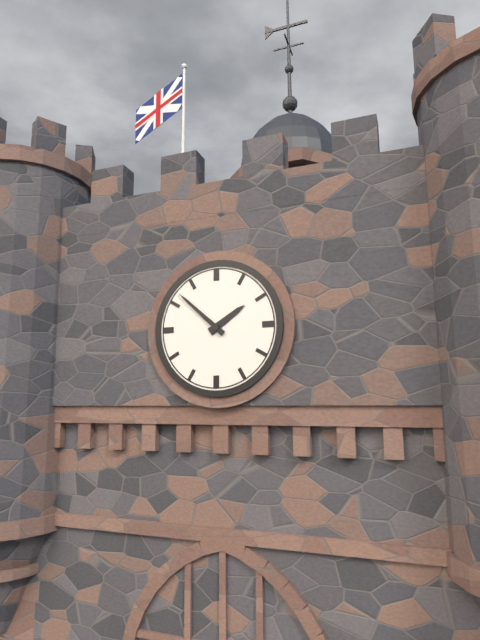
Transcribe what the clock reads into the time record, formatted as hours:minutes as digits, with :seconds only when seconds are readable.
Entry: 1:52
